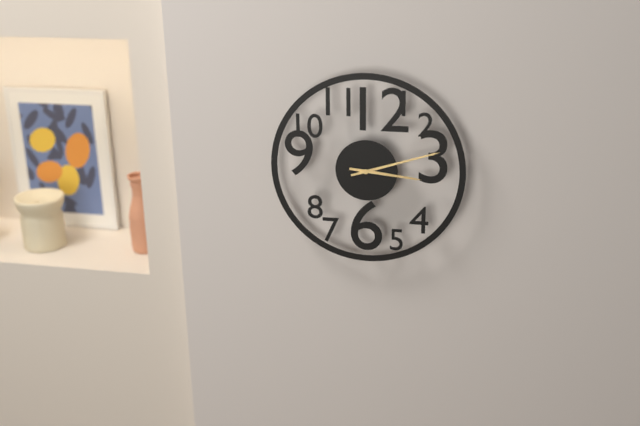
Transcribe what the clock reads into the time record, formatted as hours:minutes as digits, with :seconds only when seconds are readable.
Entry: 3:12
